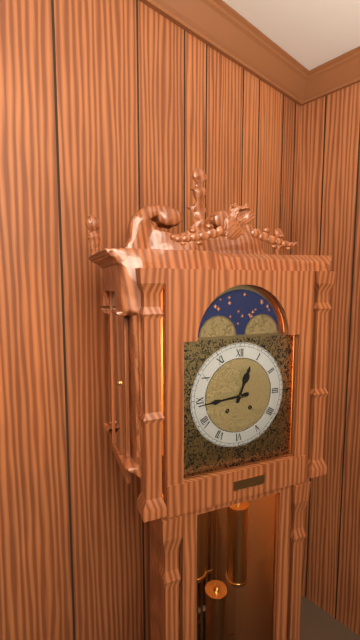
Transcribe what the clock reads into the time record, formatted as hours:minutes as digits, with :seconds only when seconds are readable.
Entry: 12:44
